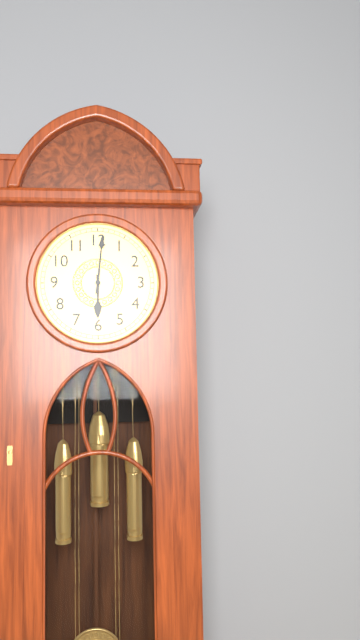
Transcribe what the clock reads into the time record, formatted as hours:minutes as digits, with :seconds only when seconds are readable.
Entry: 6:01
